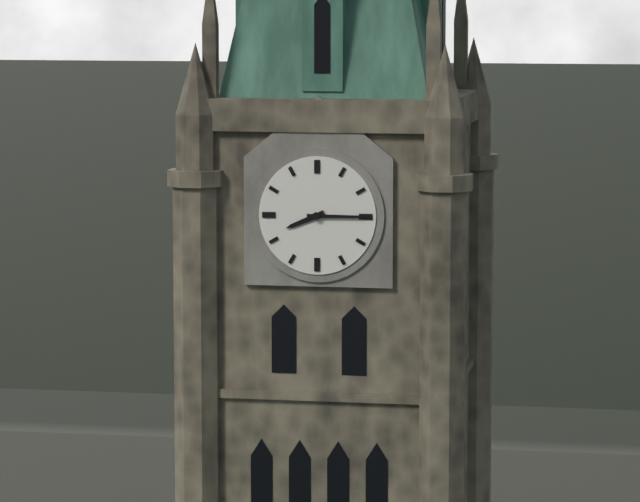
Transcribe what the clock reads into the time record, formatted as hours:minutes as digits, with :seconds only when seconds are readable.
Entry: 8:15
